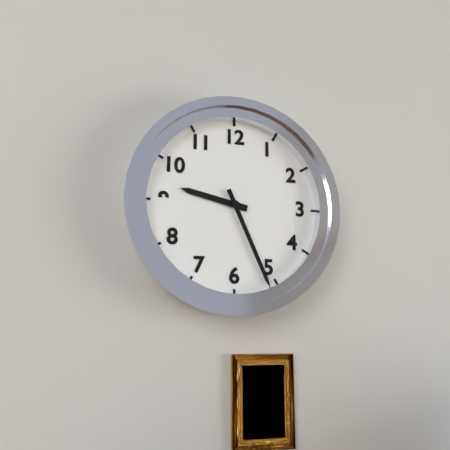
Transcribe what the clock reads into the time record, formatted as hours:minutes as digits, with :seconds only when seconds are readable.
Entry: 9:26
